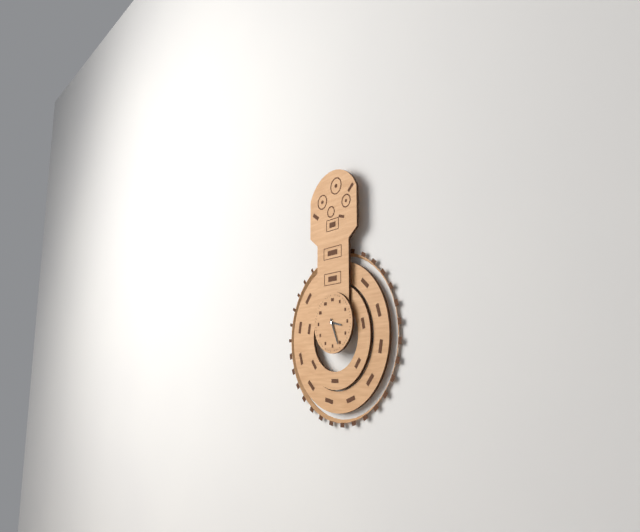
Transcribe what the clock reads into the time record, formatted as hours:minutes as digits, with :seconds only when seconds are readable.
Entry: 3:26
